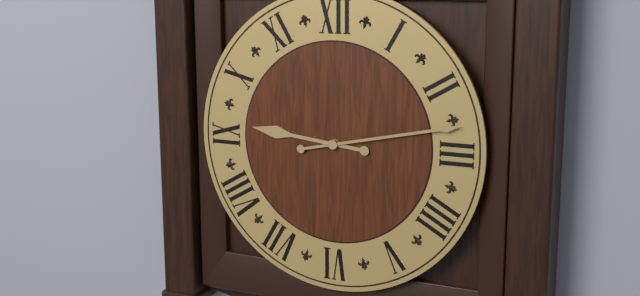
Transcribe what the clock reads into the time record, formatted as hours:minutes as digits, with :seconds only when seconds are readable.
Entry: 9:13
